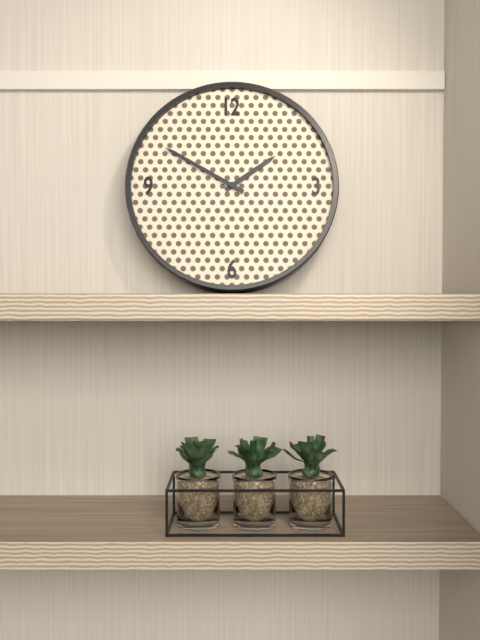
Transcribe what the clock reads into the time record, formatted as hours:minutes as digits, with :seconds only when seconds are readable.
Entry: 1:50
